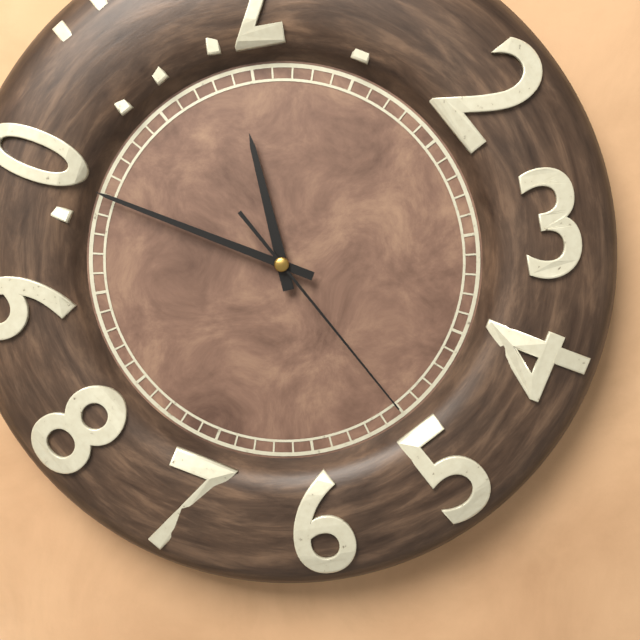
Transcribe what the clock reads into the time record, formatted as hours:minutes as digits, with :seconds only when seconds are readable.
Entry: 11:50:25
